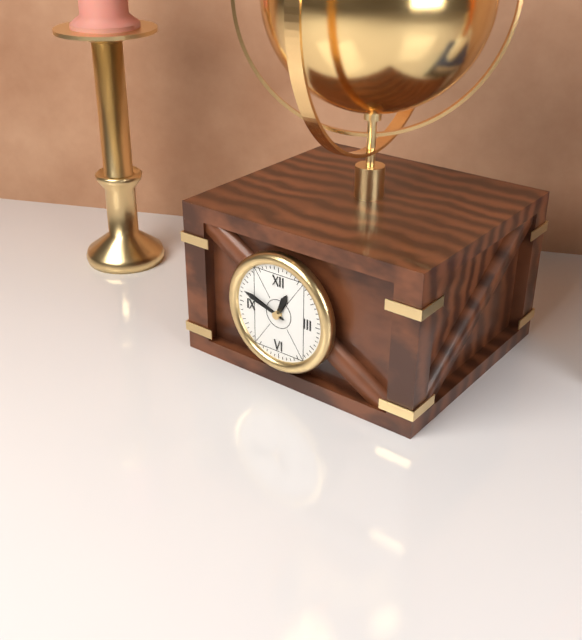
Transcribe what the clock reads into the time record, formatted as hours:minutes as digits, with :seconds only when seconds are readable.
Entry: 12:48
